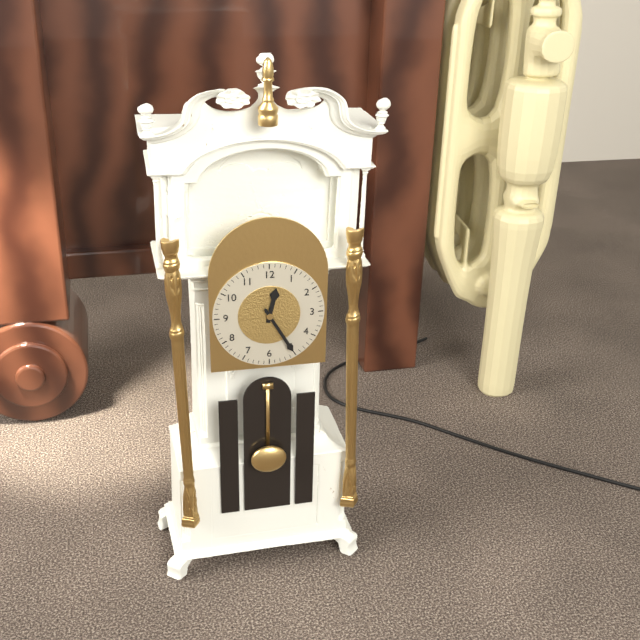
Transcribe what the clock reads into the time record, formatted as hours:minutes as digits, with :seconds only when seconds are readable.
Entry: 12:25
